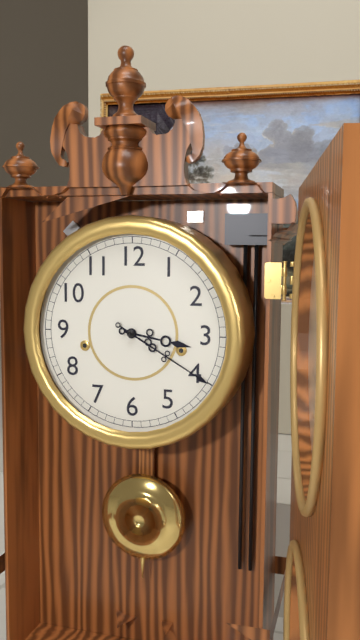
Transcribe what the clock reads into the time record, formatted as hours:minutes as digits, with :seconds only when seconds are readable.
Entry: 3:20
